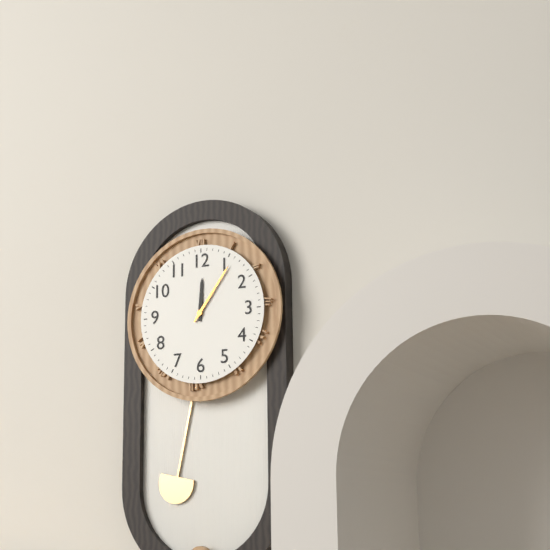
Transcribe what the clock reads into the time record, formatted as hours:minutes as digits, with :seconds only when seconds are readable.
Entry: 12:06
